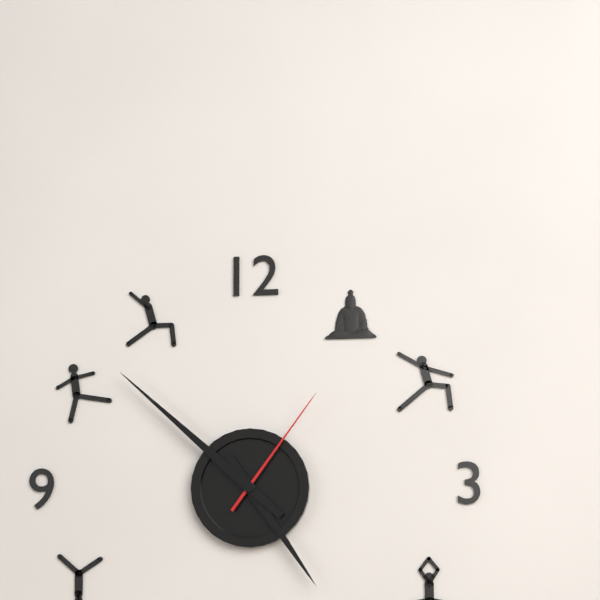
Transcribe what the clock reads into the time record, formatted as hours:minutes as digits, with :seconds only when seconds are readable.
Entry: 4:52:06
